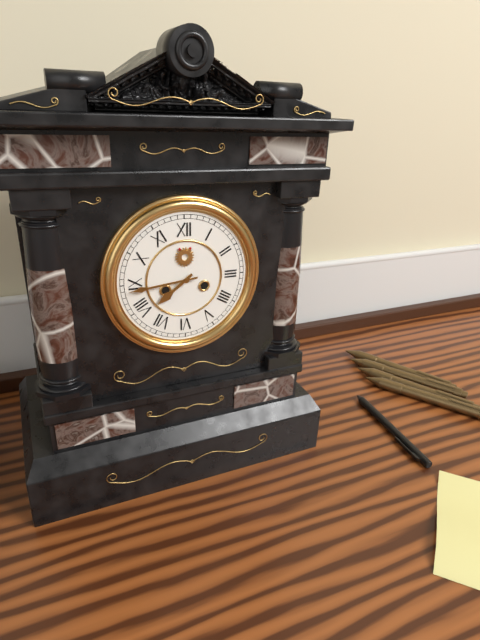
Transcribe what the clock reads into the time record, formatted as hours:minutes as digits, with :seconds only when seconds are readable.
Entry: 7:44
